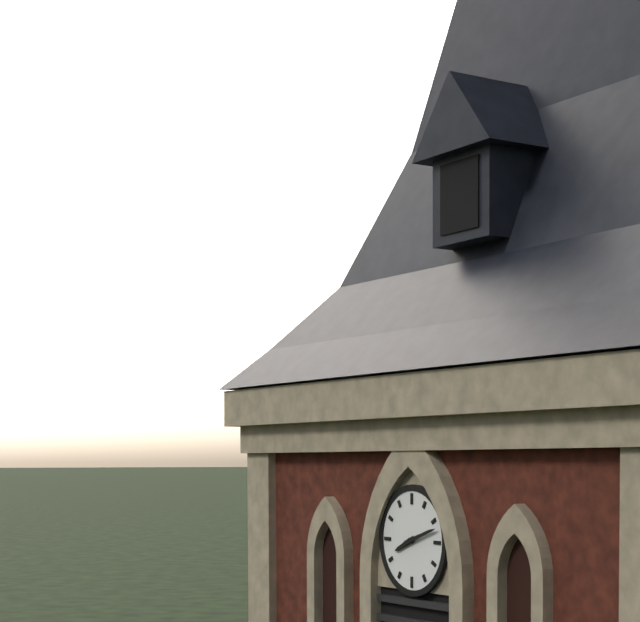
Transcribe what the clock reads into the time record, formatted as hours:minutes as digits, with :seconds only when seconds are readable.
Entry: 8:12
